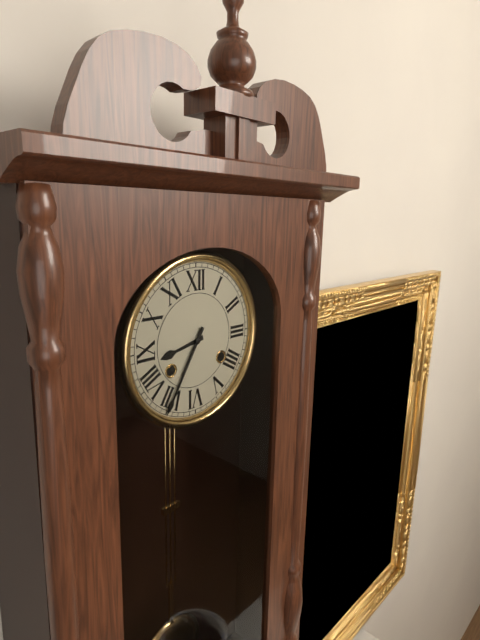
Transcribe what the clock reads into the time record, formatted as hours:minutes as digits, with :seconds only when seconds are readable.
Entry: 8:35
